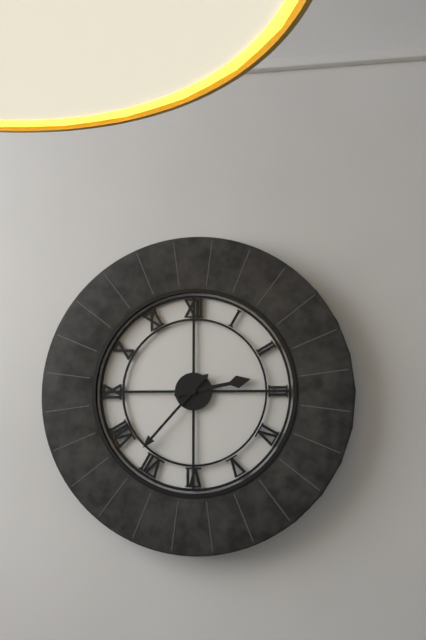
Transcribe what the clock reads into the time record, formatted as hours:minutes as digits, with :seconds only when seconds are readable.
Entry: 2:37
